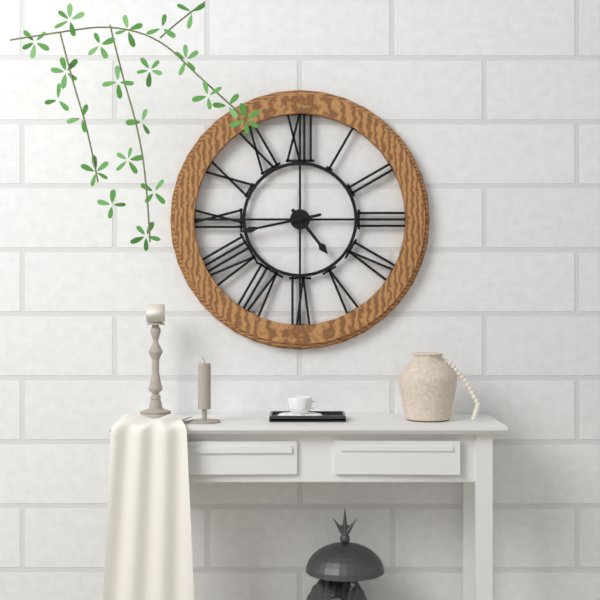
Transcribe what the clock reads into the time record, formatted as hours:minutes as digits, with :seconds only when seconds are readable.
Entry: 4:43
